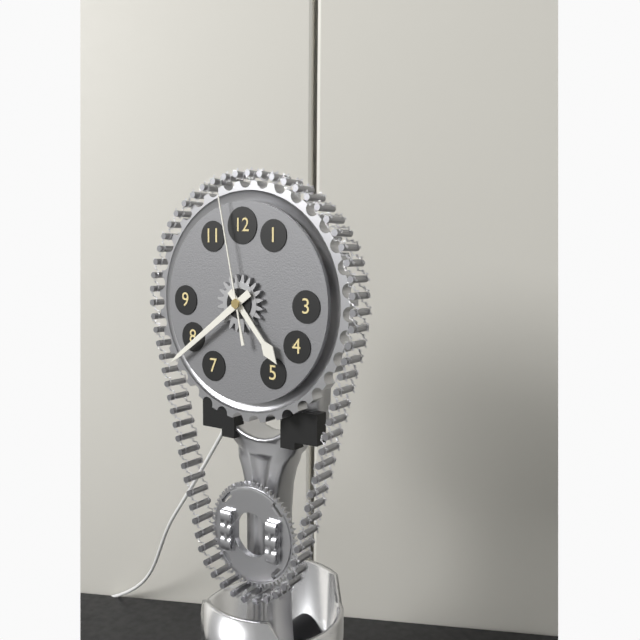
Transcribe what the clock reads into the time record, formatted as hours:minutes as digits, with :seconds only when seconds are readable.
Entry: 4:39:58
